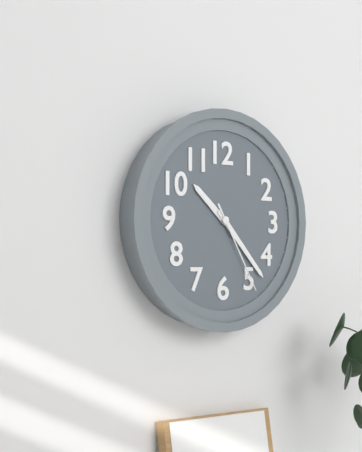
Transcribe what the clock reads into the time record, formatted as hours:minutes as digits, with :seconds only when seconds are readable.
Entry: 10:23:25
